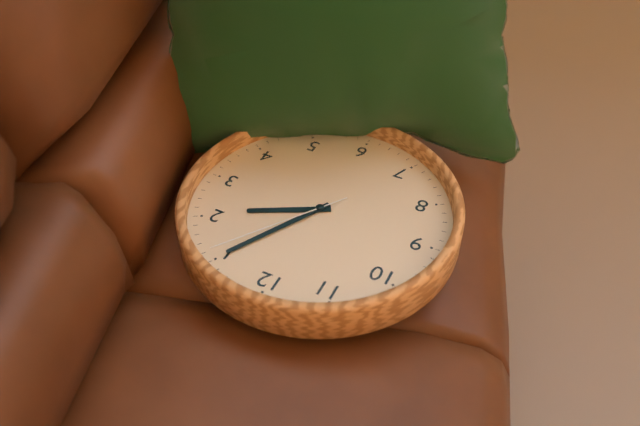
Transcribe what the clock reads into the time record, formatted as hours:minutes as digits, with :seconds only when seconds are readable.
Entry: 2:05:06
